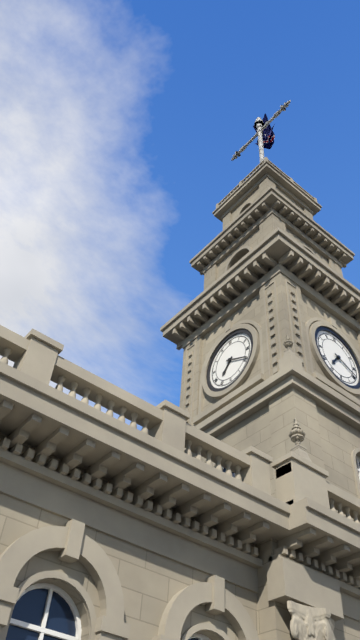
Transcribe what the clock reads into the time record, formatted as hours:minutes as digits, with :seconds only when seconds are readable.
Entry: 7:19
